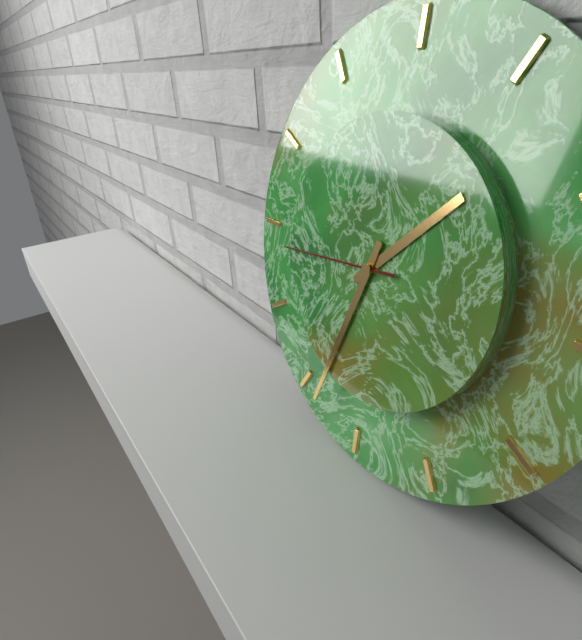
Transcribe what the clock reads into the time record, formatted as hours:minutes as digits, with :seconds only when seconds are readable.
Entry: 1:33:44
